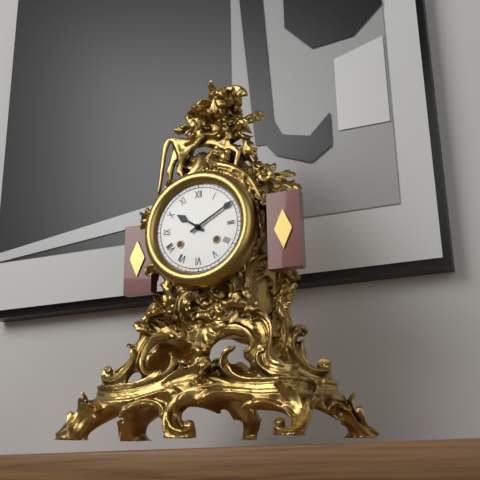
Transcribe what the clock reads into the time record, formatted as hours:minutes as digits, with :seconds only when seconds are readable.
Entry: 10:10
